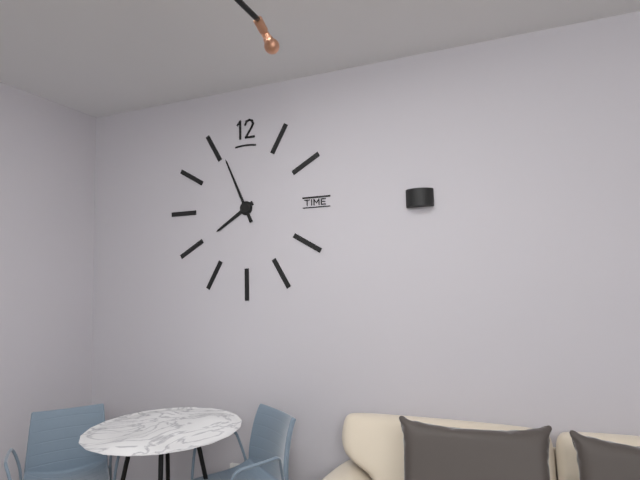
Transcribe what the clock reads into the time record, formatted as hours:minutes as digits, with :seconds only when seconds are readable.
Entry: 7:56
